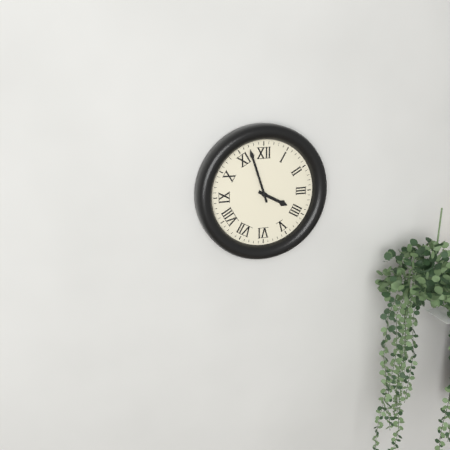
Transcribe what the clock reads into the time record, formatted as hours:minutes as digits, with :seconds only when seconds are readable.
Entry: 3:57
